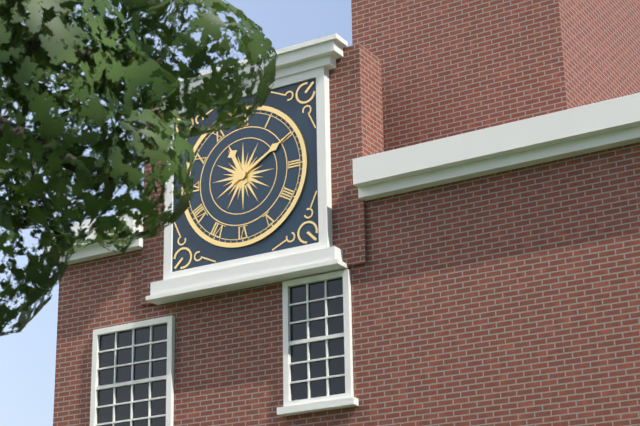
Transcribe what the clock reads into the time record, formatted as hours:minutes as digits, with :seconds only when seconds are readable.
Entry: 11:10
